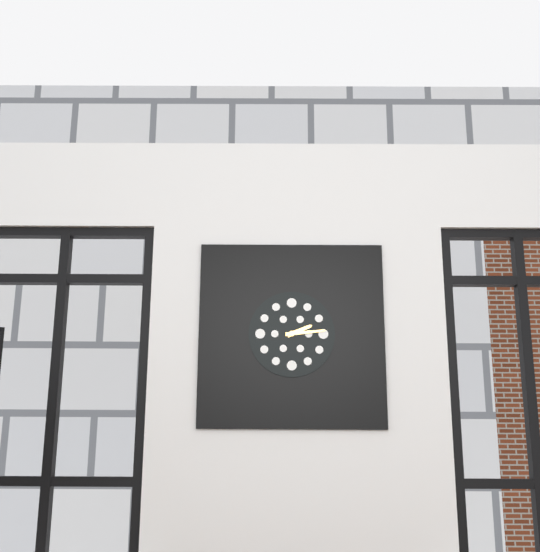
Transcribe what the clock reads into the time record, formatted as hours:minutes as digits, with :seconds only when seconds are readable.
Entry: 2:14
